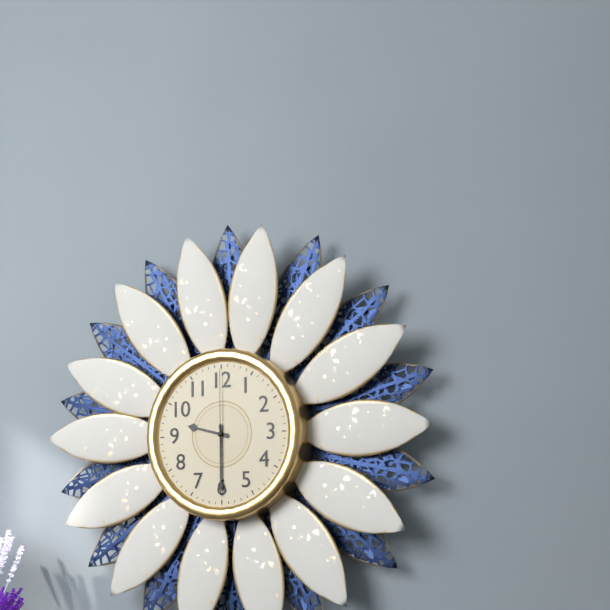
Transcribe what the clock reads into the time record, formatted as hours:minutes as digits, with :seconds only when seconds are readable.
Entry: 9:30:00
